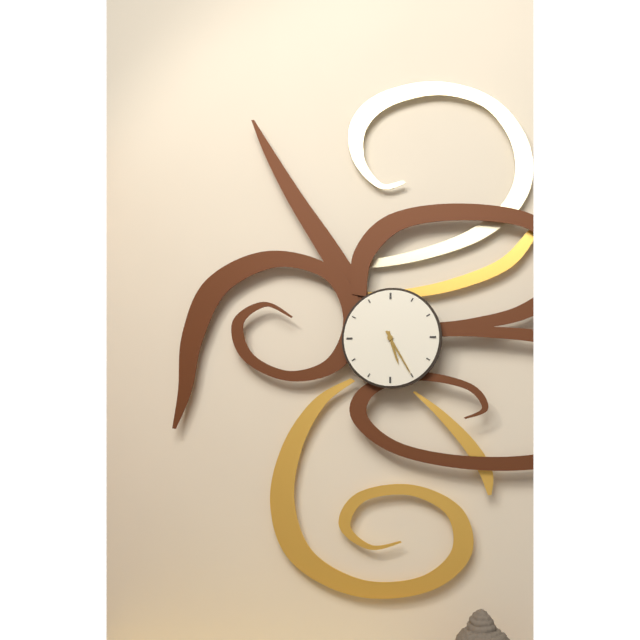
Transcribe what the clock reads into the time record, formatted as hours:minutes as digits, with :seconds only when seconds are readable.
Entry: 5:25
